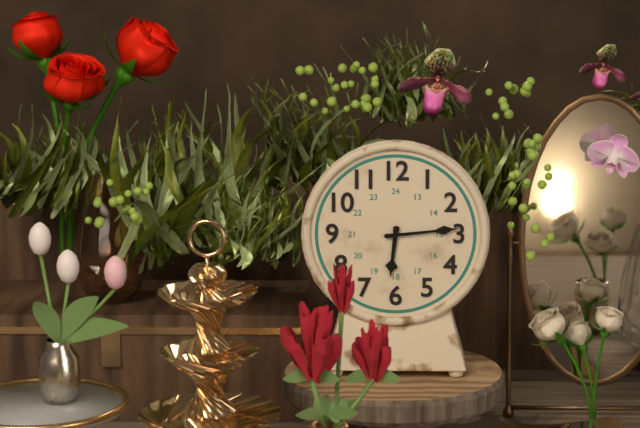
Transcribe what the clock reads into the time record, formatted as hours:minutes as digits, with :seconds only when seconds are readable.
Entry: 6:14
